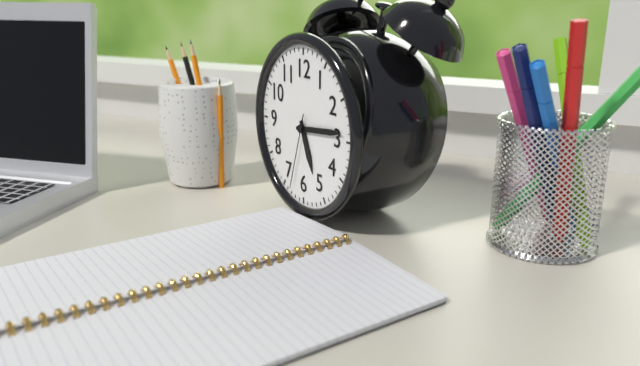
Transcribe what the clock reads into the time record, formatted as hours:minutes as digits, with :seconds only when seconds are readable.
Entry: 5:14:33
